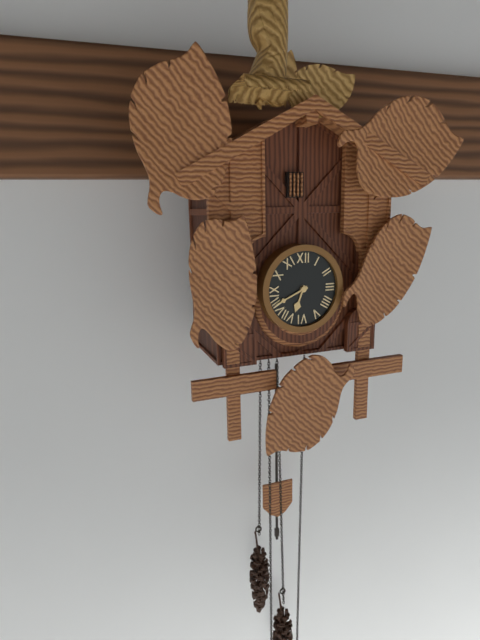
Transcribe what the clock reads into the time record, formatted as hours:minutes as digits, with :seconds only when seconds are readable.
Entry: 6:41
